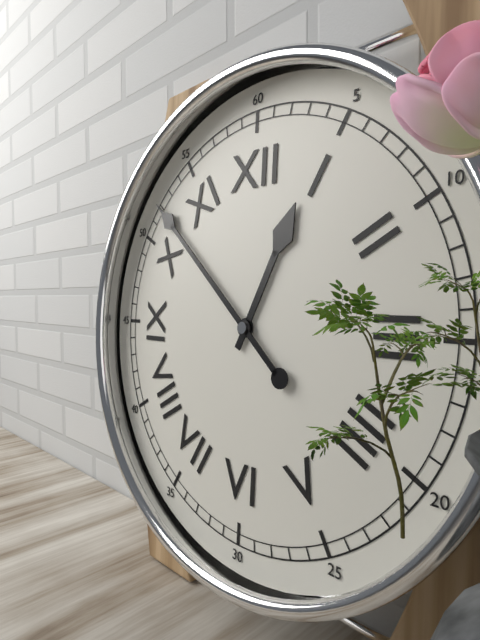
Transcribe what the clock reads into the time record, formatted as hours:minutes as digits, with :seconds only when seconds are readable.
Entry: 12:52
